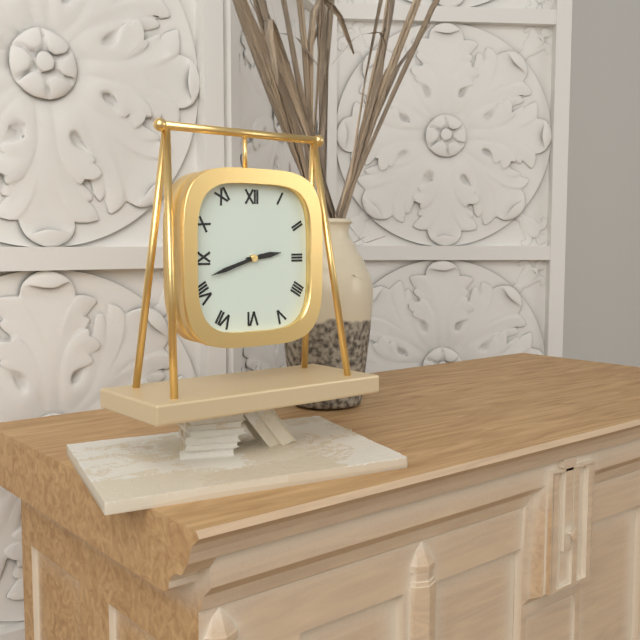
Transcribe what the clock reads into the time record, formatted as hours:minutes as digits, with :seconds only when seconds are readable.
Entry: 2:42
